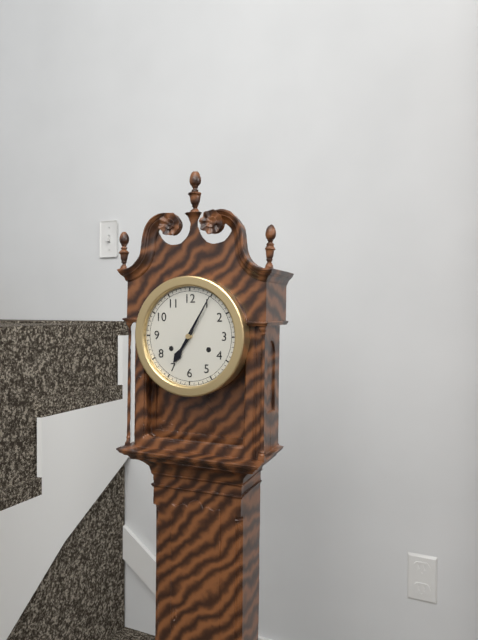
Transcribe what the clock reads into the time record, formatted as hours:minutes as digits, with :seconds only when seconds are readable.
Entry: 7:05
